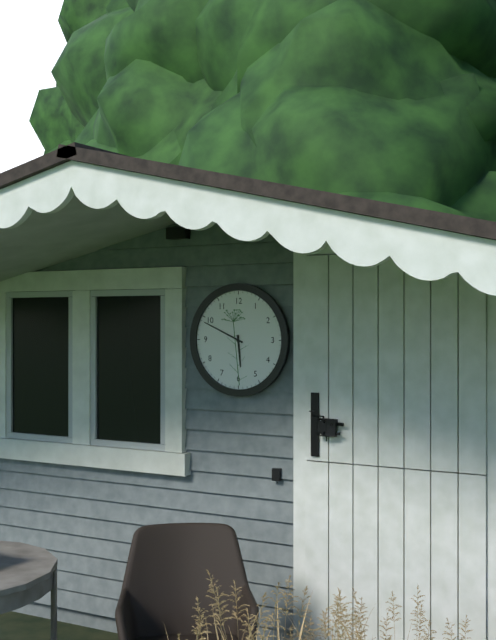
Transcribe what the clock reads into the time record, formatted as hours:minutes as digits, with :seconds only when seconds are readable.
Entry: 5:49
